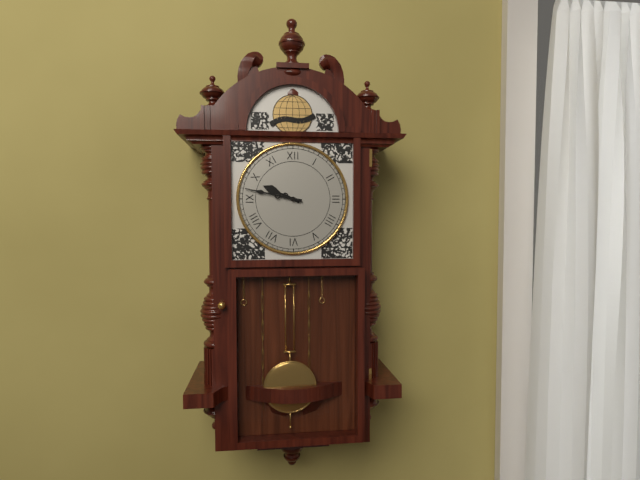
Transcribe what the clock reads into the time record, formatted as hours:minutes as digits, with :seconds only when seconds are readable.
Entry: 9:47
